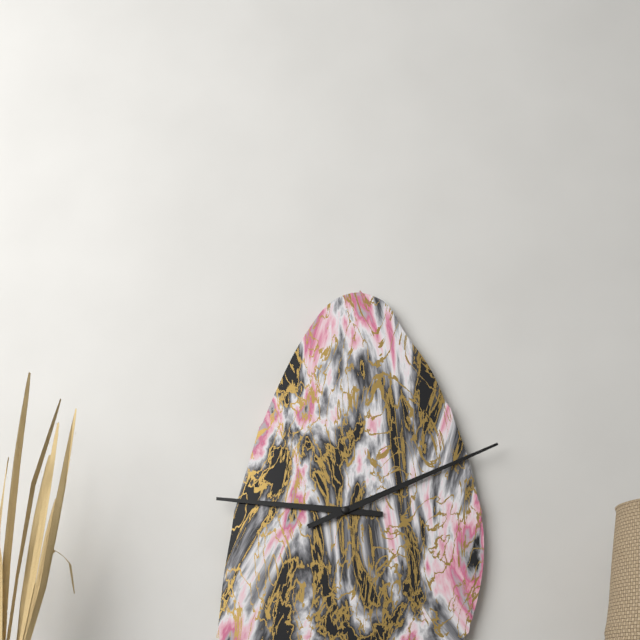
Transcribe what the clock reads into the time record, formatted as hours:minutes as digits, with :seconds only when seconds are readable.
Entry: 9:11
